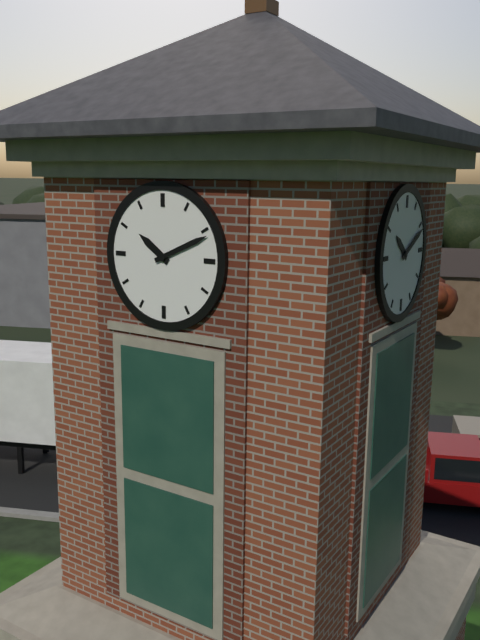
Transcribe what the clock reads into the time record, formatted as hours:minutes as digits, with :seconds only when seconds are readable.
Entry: 10:11
